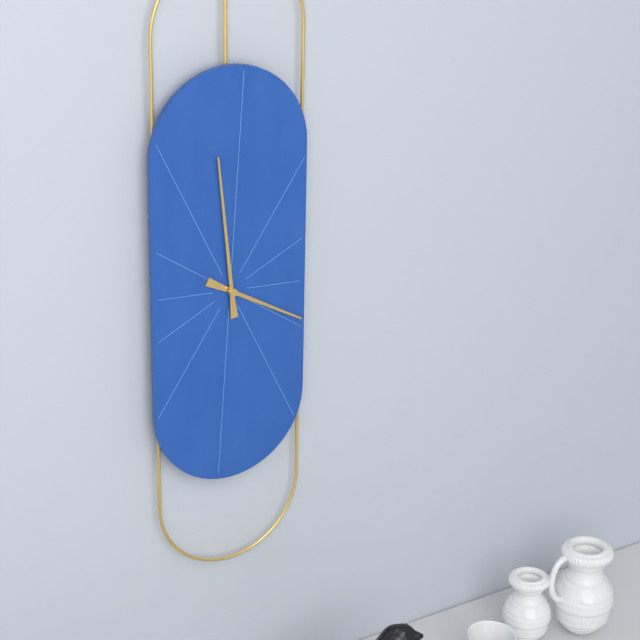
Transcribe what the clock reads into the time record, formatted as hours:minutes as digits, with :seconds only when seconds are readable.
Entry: 3:59
